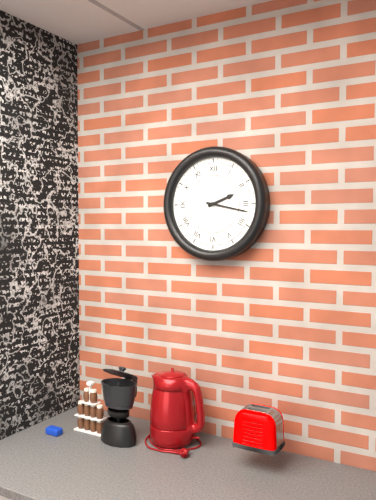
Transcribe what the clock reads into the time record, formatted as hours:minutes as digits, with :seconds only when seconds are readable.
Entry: 2:17
